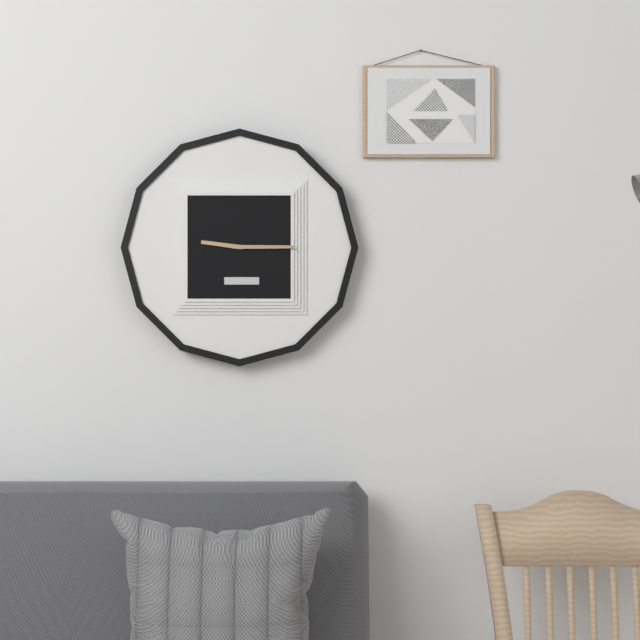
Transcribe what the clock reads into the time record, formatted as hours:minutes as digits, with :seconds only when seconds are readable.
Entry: 9:15
